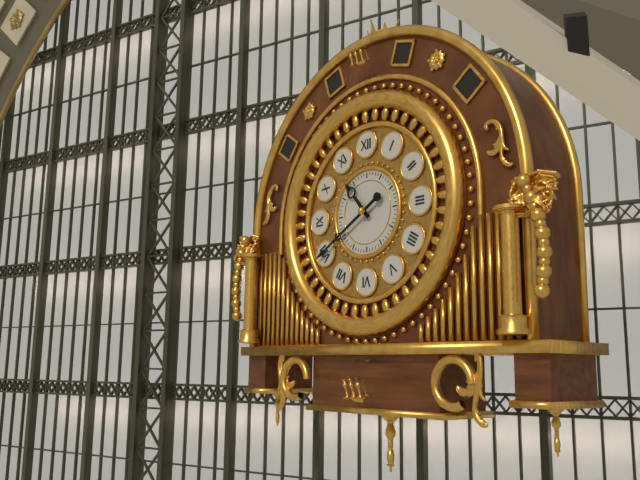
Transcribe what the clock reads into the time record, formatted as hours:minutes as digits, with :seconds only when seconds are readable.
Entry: 10:40
